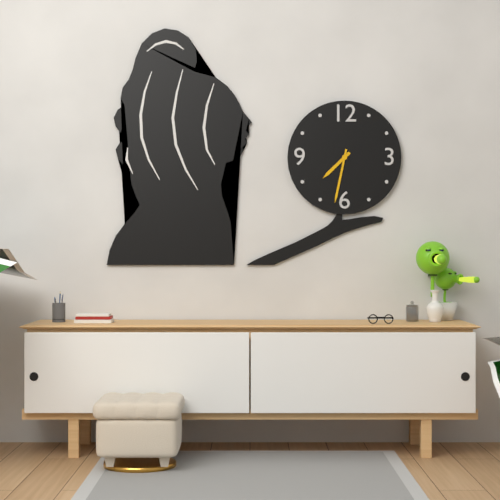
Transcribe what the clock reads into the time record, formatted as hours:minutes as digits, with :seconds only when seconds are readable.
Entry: 7:32
